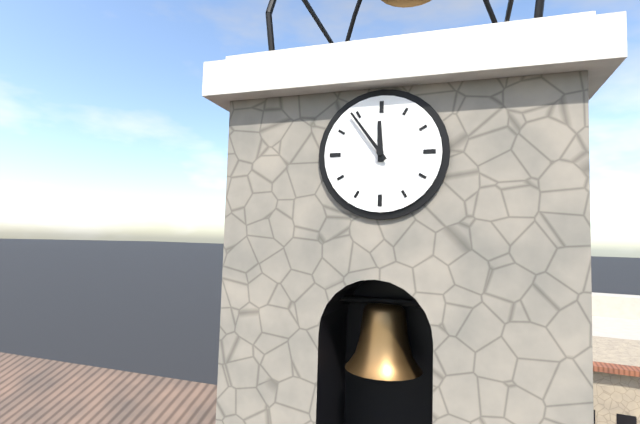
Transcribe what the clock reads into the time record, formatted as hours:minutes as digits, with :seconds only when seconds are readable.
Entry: 11:54
